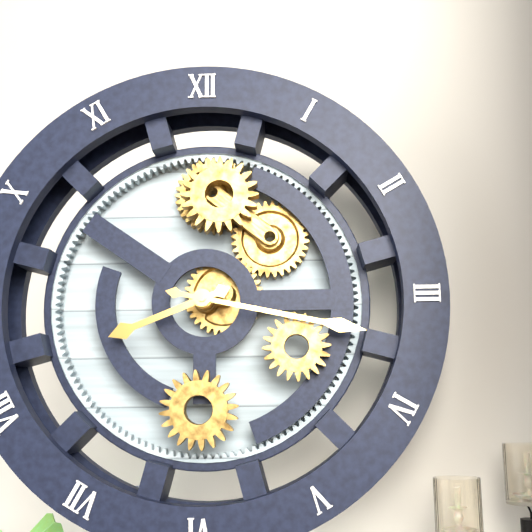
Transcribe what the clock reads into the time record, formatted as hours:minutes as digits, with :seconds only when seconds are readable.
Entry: 8:17
